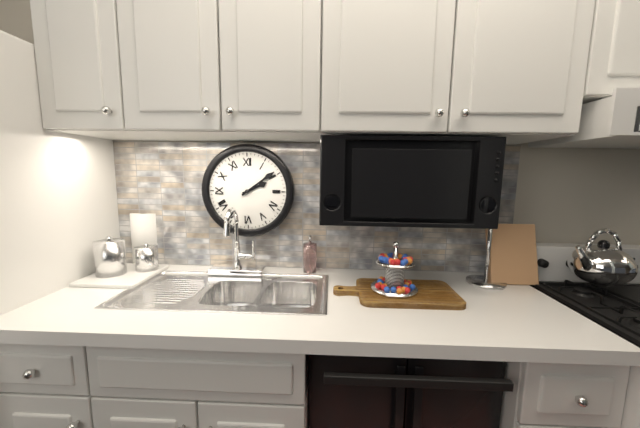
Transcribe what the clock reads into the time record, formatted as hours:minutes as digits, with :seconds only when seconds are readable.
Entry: 2:09
